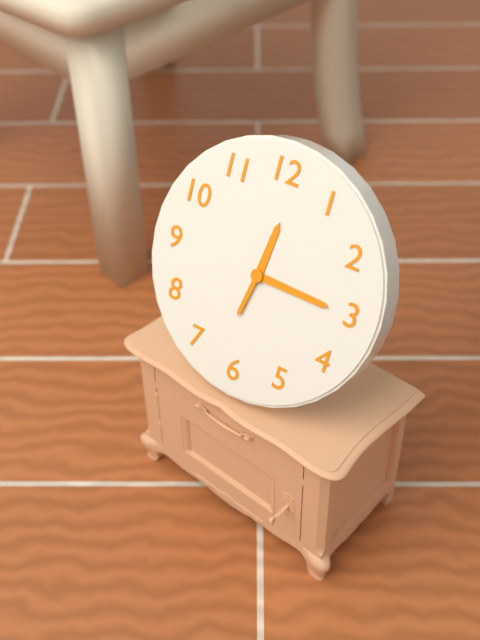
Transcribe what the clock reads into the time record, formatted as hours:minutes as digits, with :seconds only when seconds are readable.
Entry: 12:15:32
